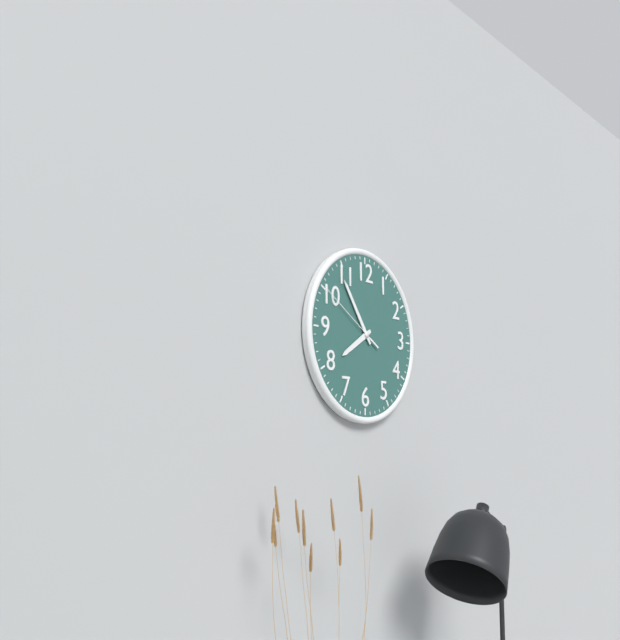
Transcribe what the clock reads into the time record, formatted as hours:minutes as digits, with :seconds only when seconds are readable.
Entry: 7:54:50
